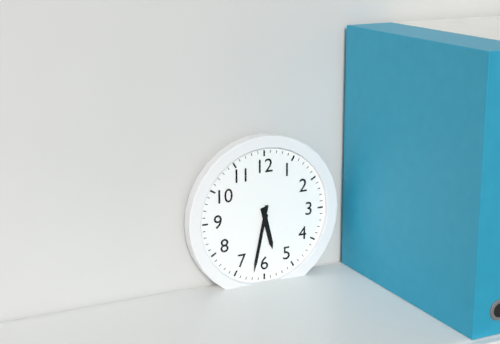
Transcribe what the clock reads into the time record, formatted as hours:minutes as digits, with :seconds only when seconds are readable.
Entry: 5:32
